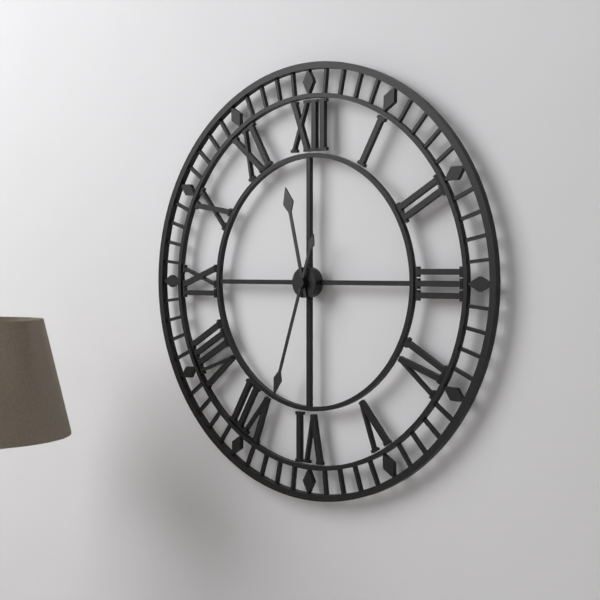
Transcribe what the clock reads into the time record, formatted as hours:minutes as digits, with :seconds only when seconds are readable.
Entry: 11:33
